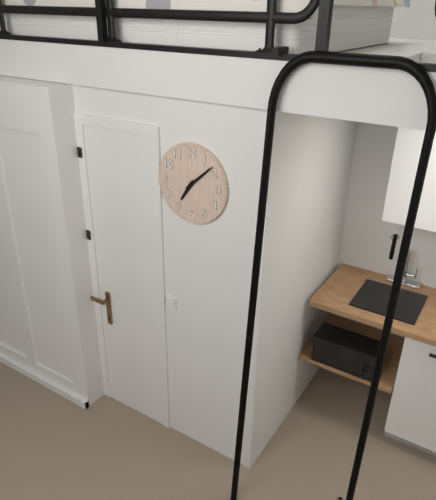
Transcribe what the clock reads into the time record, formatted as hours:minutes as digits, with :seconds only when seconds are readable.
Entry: 7:08
